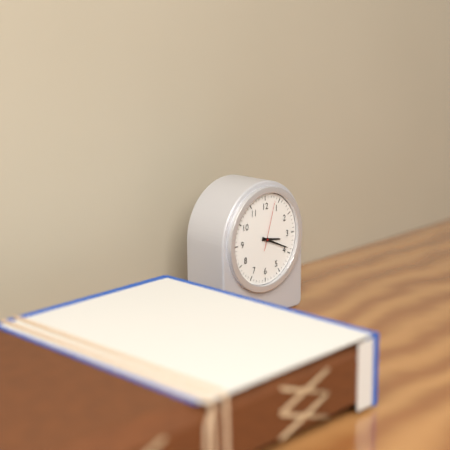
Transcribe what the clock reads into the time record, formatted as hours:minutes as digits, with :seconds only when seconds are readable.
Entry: 3:19:03
